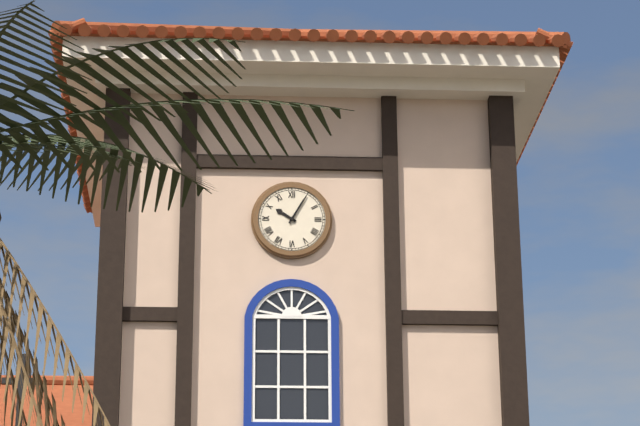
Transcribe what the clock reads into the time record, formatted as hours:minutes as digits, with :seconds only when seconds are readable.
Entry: 10:05
